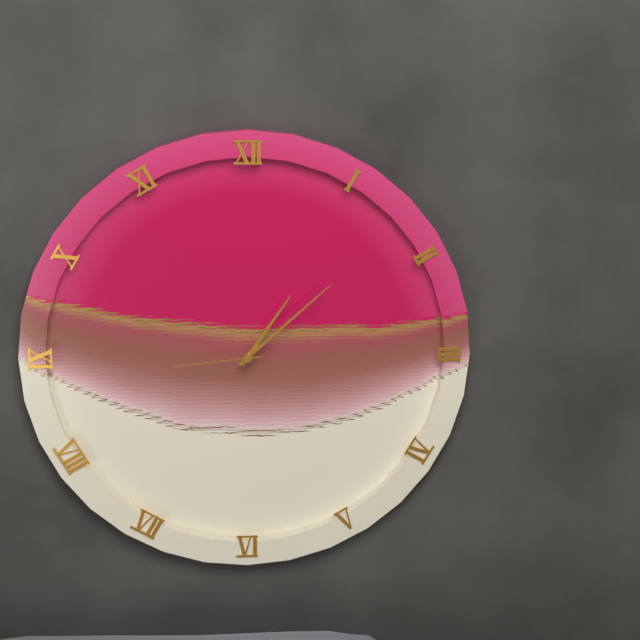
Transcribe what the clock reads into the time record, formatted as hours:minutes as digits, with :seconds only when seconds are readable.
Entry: 1:08:44
